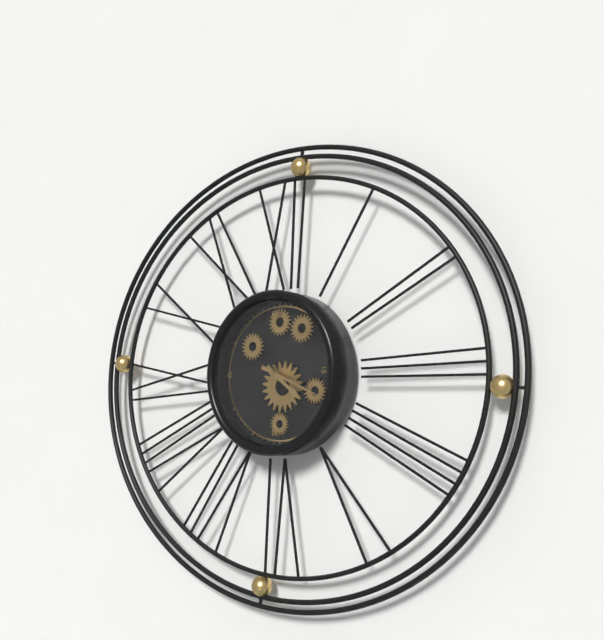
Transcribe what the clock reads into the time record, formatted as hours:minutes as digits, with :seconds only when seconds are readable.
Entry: 4:19
